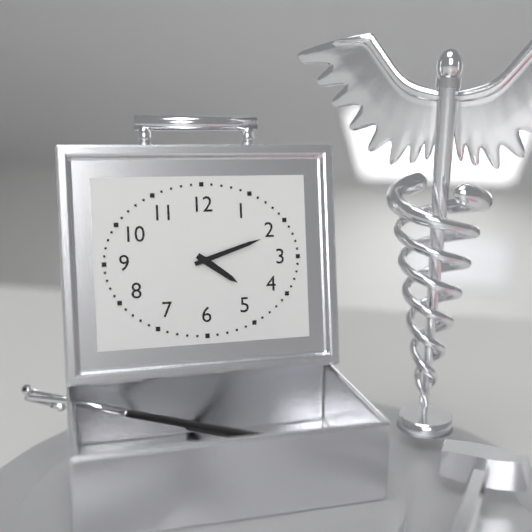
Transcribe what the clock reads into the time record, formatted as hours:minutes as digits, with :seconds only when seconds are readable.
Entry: 4:12
